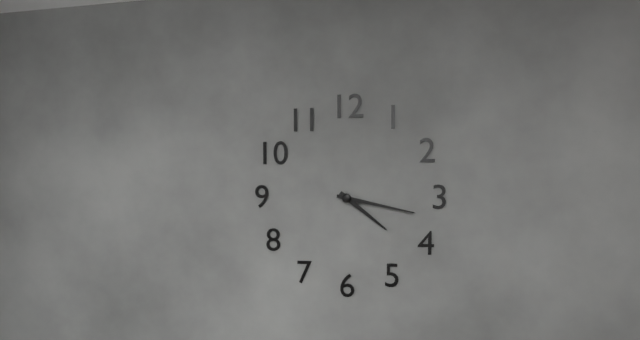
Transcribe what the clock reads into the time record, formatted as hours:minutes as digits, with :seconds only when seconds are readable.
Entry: 4:17
